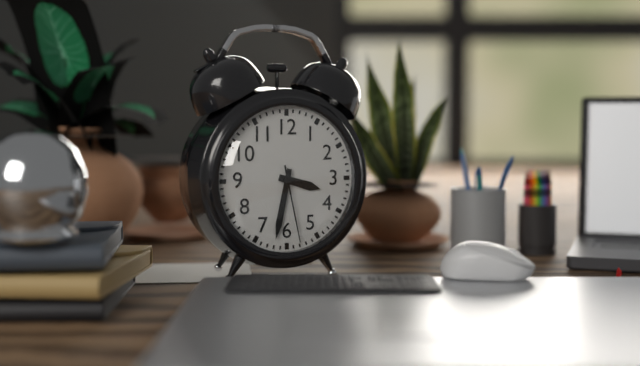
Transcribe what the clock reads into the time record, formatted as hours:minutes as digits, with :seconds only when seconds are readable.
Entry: 3:32:28
